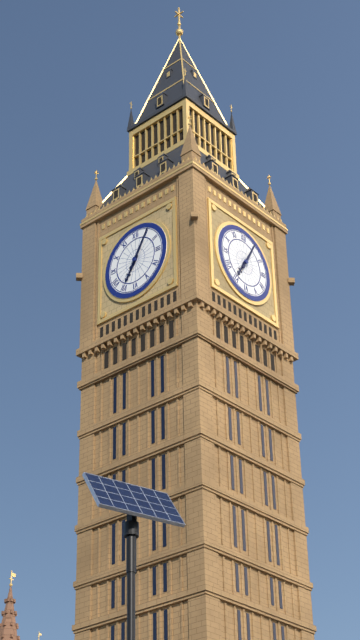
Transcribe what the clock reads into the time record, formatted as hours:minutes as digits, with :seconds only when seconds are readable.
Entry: 7:05
